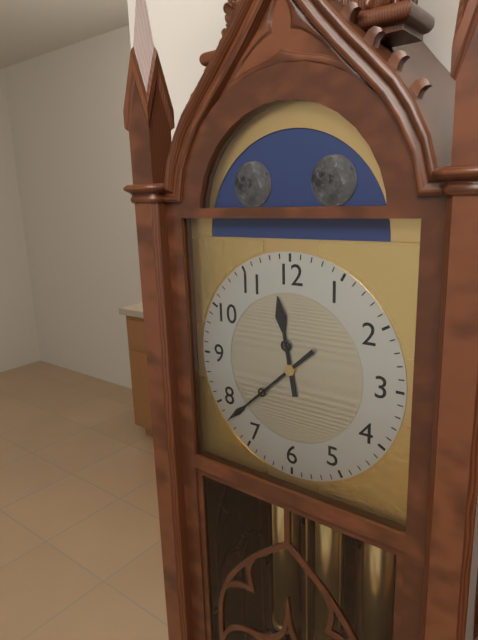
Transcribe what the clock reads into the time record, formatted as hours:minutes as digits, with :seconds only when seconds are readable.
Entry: 11:38
